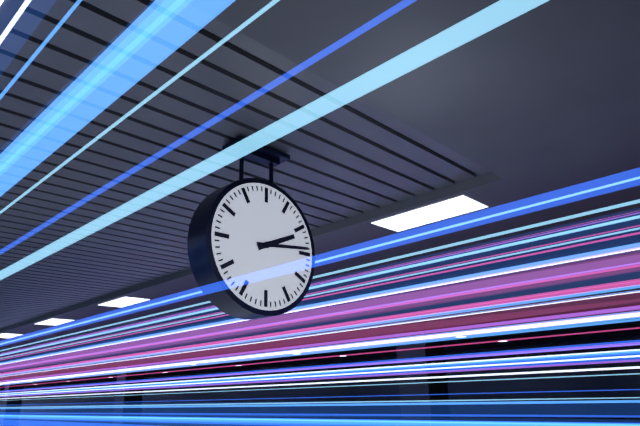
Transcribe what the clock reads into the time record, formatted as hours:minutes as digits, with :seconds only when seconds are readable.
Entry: 2:14
